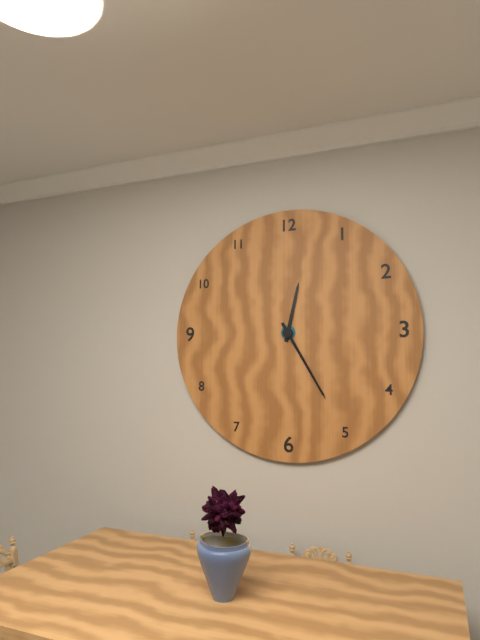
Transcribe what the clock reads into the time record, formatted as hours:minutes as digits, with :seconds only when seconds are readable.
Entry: 12:25
